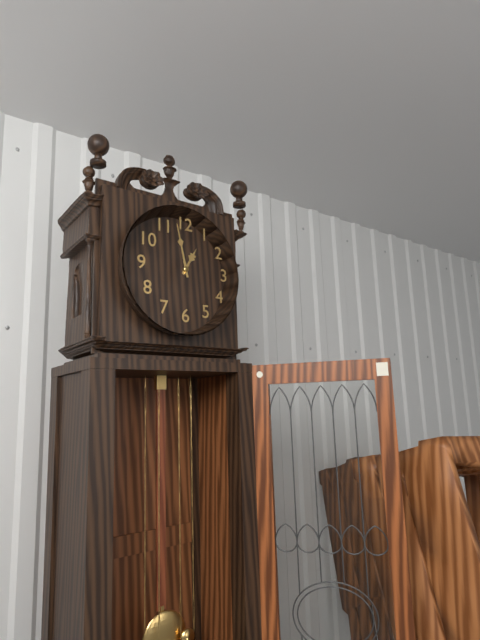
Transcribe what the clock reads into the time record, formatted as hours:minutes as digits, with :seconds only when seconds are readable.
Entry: 12:58
